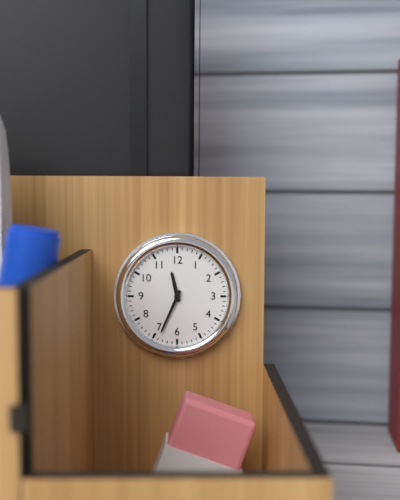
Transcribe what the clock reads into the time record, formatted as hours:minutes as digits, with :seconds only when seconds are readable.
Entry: 11:34
